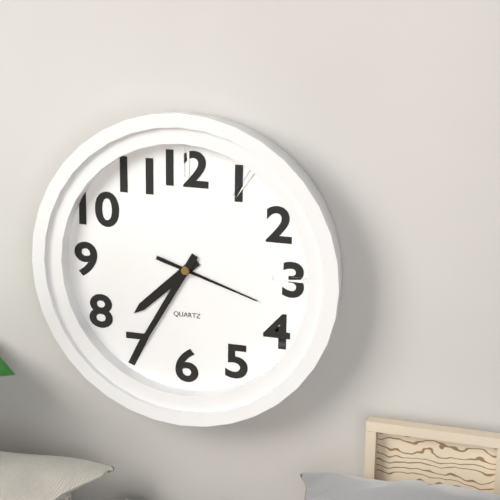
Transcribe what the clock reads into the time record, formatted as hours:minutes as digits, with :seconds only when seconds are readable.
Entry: 7:35:18
